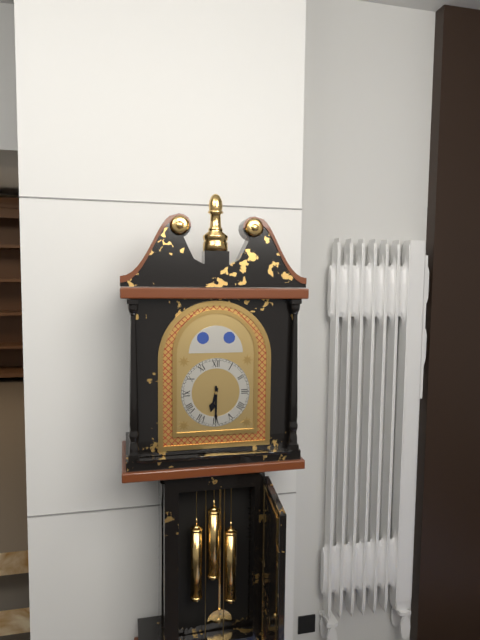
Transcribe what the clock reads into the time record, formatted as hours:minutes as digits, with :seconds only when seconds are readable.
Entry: 6:30
